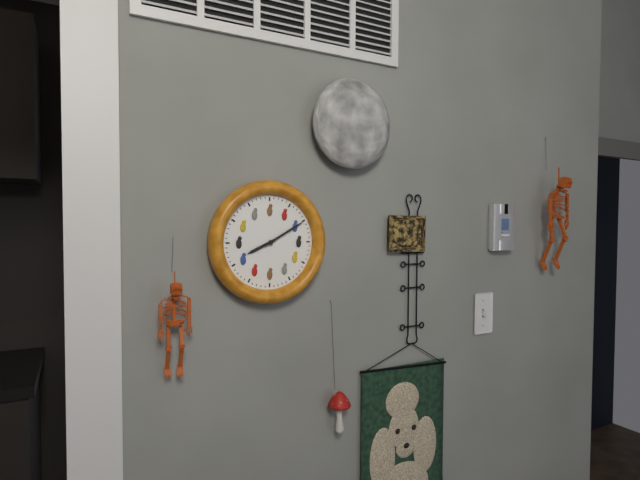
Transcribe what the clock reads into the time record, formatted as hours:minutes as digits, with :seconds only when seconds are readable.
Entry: 8:10
